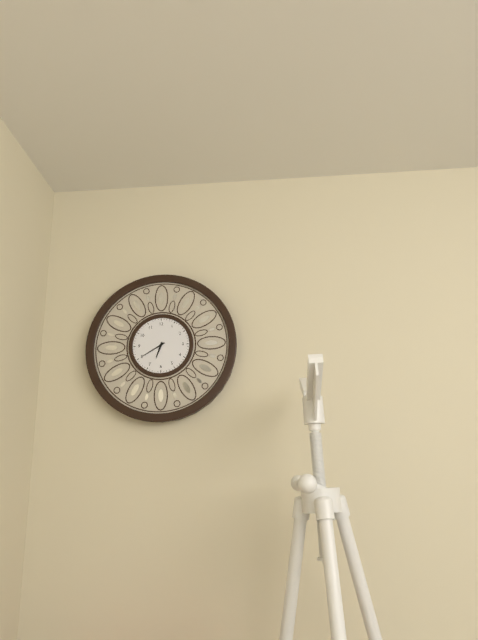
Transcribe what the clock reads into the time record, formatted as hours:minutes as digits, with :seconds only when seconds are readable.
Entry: 6:40
